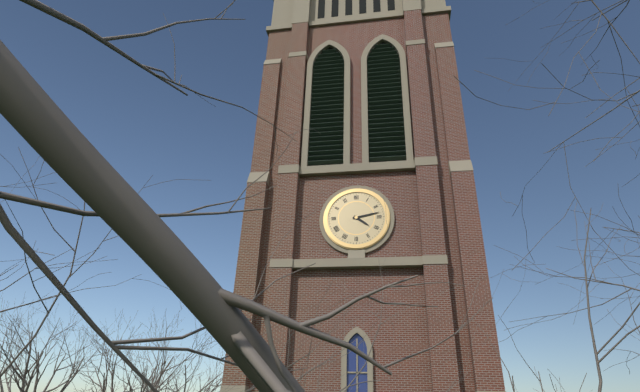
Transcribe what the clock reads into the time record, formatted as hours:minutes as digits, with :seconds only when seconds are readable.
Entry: 4:13
